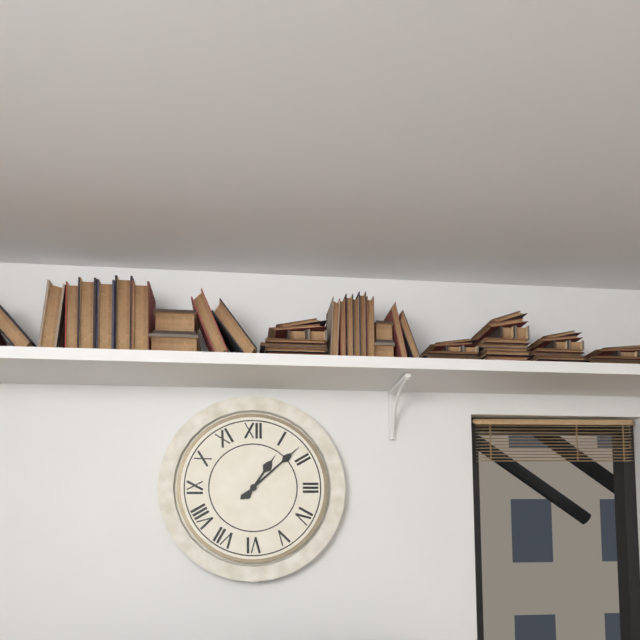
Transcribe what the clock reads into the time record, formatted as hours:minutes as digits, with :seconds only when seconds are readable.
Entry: 1:08
